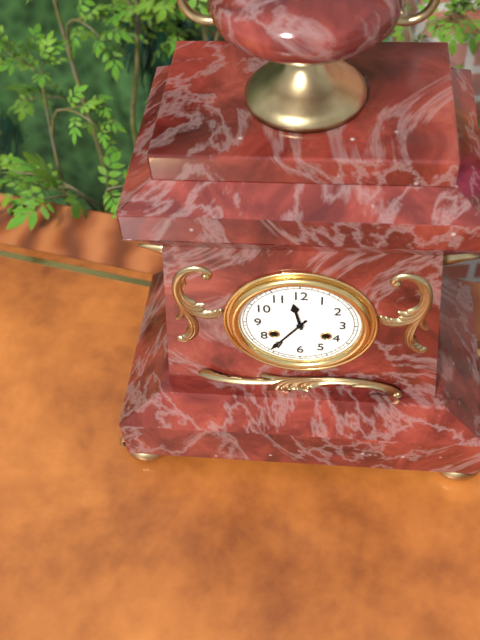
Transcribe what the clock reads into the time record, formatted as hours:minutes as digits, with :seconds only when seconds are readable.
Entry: 11:36
